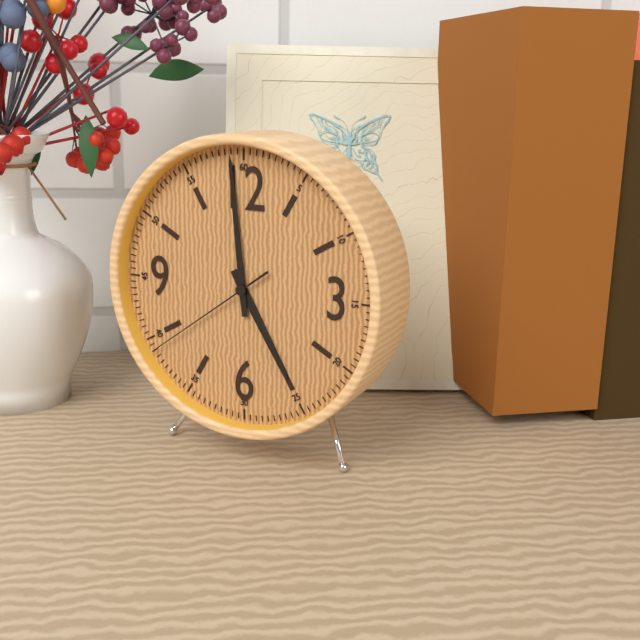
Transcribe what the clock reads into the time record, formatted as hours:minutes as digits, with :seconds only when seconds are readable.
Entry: 4:59:39
